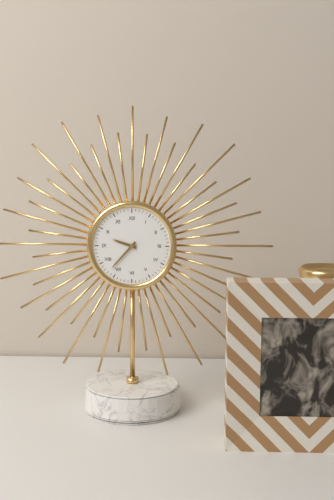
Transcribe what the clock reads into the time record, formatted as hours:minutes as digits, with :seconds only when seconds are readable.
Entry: 9:37
